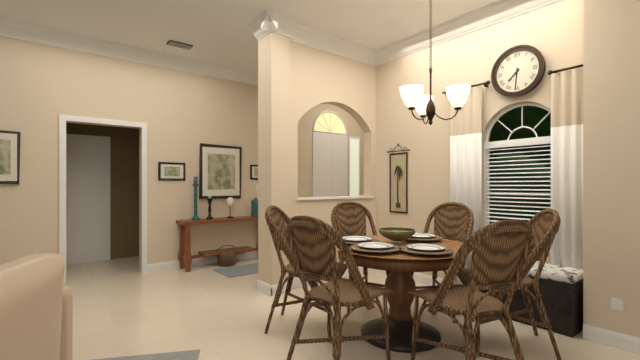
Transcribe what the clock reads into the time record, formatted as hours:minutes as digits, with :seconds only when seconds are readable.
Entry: 7:31
